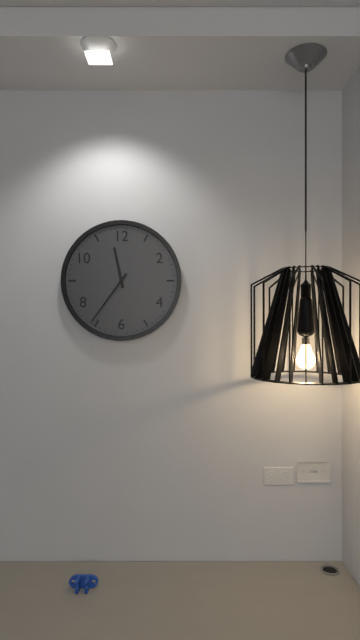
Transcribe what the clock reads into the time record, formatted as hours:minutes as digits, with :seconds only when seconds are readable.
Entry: 11:36
